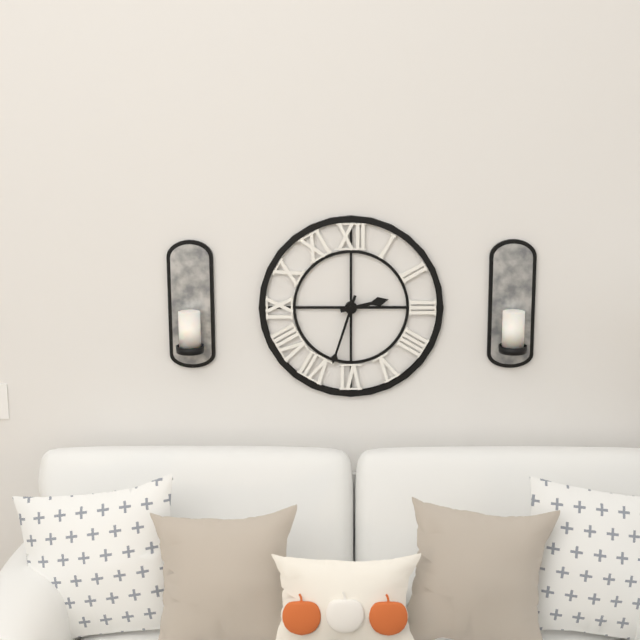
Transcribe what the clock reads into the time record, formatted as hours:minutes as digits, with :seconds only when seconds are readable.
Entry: 2:33
